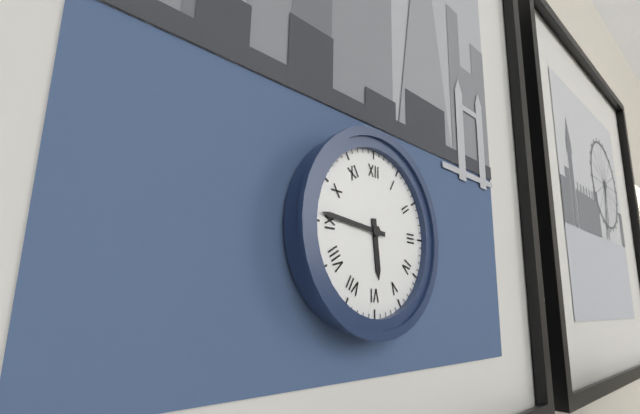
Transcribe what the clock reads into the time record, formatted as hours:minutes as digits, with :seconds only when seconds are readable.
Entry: 5:46
